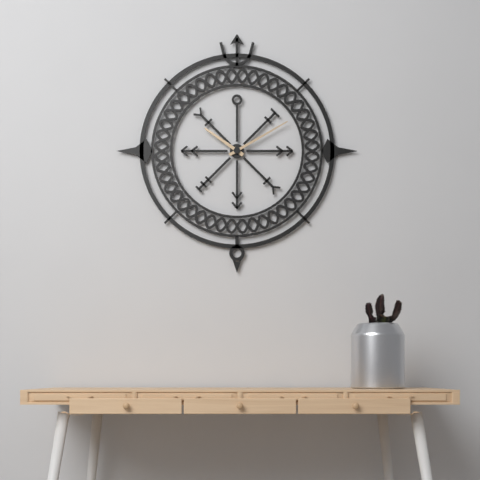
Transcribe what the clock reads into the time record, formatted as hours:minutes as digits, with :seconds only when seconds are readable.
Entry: 10:10
